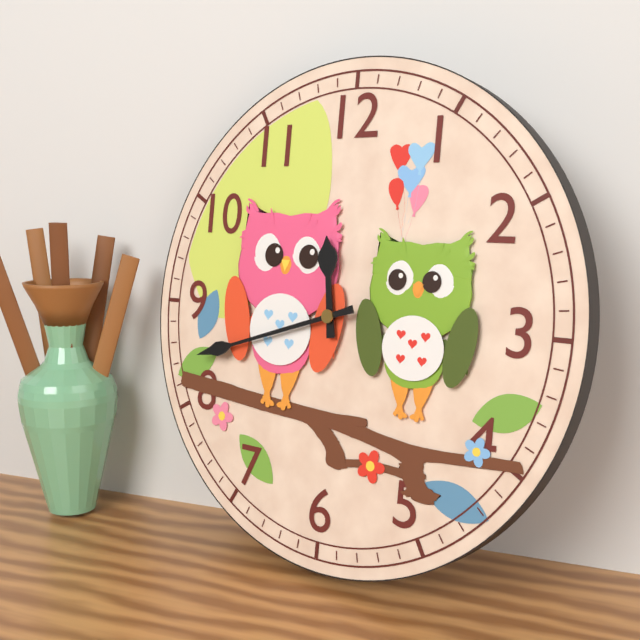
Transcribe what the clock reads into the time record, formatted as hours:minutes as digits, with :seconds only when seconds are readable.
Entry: 11:42
